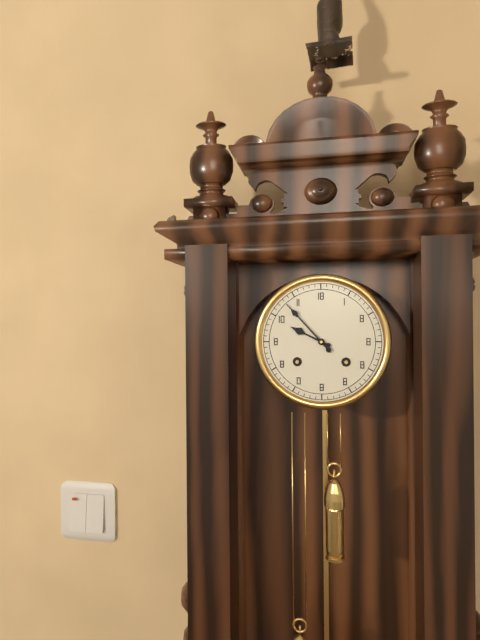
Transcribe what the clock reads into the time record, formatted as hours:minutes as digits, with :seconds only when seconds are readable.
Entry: 9:53
